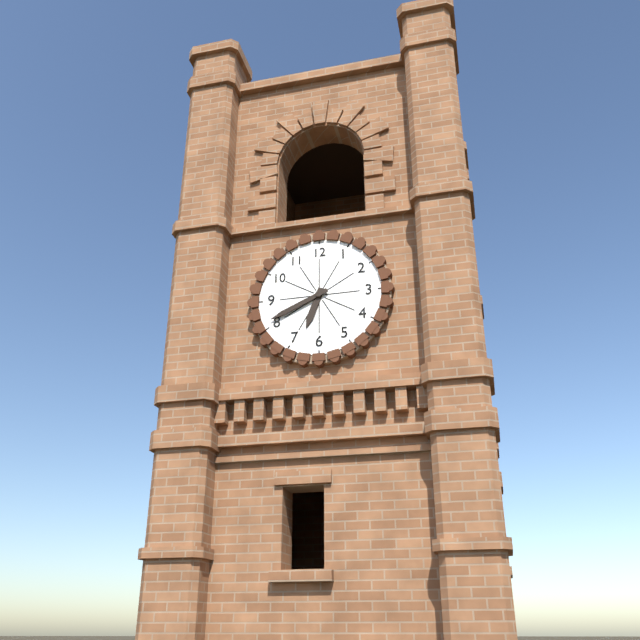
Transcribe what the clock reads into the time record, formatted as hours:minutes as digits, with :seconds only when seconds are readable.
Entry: 6:41
